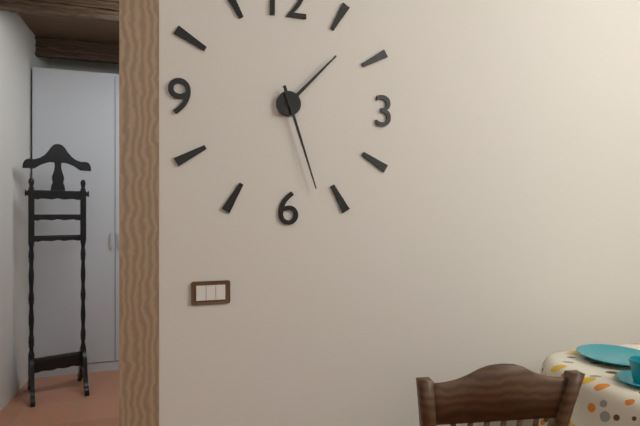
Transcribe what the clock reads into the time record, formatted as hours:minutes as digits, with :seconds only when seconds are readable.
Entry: 1:27
